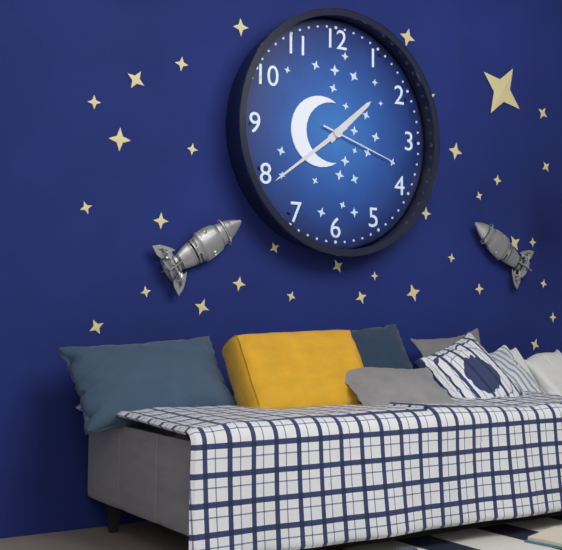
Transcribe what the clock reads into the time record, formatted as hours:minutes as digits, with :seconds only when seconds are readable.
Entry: 1:39:18
